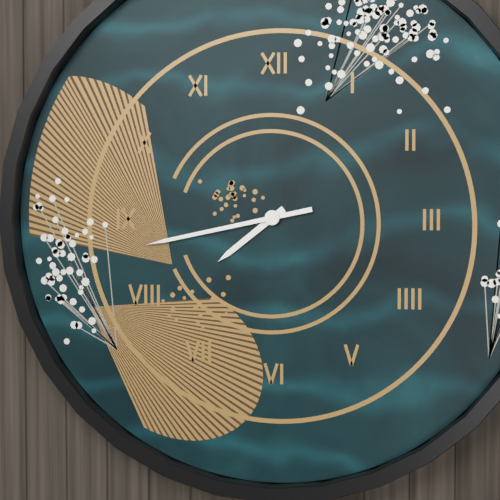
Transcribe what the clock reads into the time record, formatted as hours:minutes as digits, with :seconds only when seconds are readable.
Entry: 7:43
